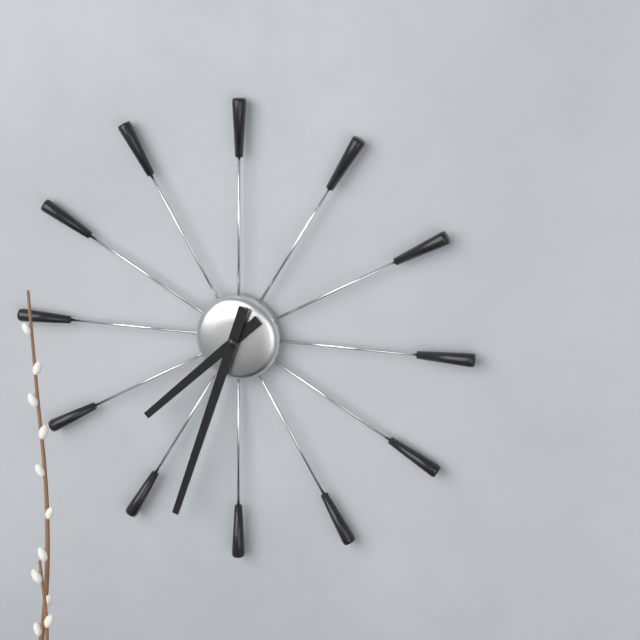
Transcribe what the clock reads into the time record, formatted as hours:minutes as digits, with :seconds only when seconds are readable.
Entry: 7:33
